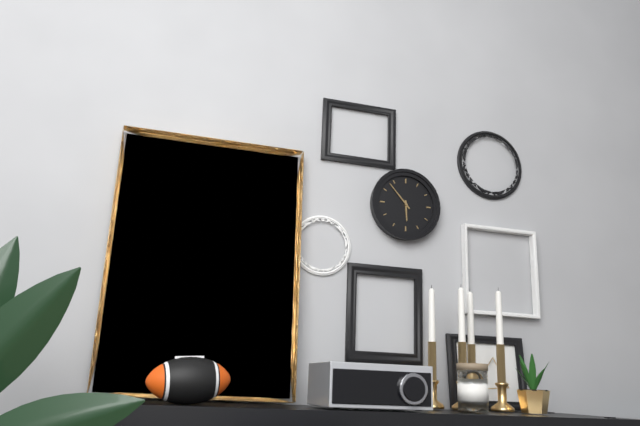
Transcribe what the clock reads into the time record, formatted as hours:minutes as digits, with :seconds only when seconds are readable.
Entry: 5:53
